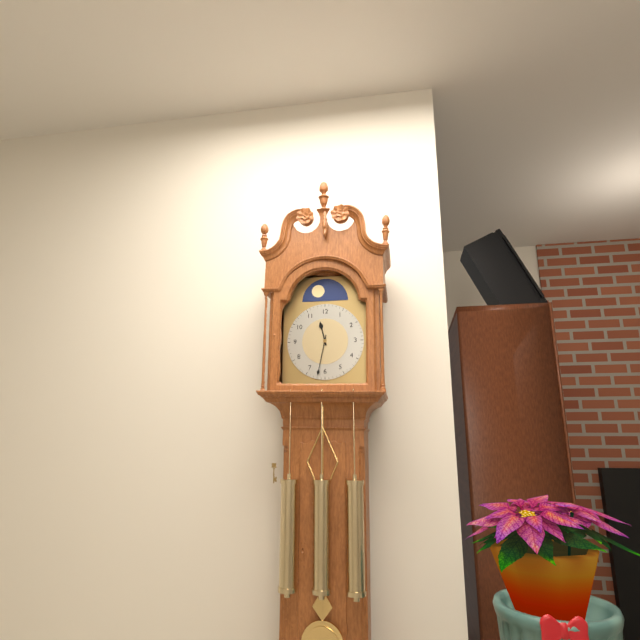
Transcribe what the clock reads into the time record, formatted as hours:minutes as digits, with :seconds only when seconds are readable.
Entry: 11:32
